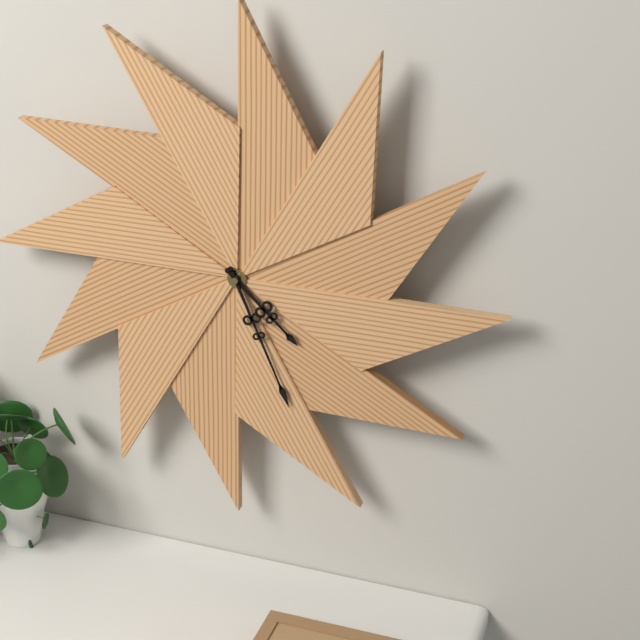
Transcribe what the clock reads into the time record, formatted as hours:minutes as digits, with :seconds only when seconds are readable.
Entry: 4:26
